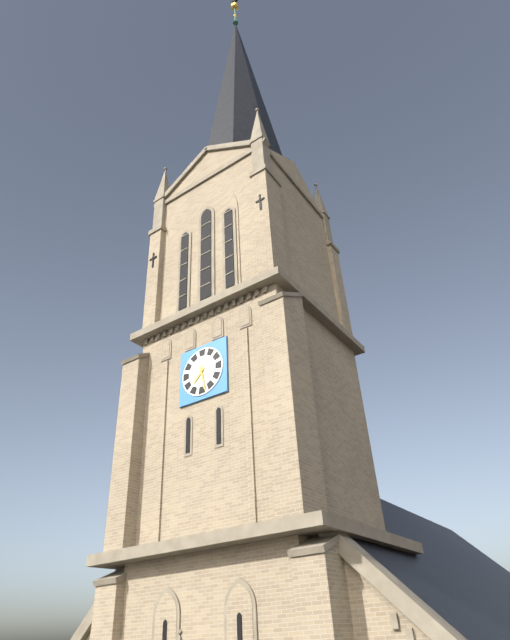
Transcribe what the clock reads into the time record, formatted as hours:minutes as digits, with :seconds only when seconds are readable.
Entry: 7:28
